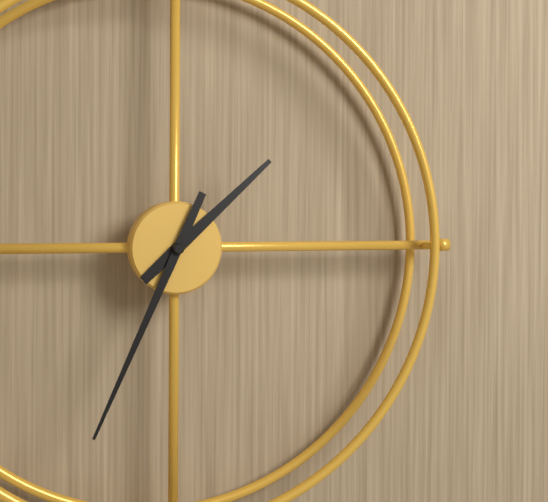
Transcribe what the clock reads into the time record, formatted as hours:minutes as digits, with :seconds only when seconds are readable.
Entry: 1:34
